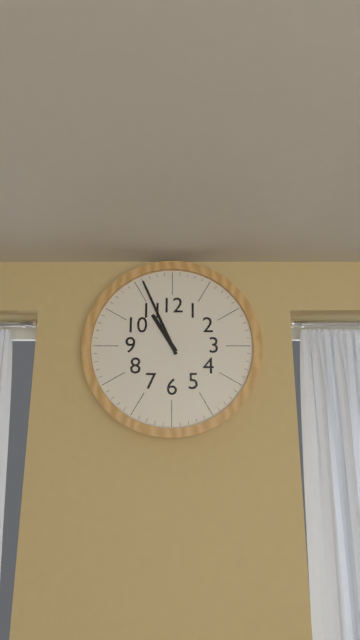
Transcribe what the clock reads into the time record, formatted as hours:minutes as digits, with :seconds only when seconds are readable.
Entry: 10:56
